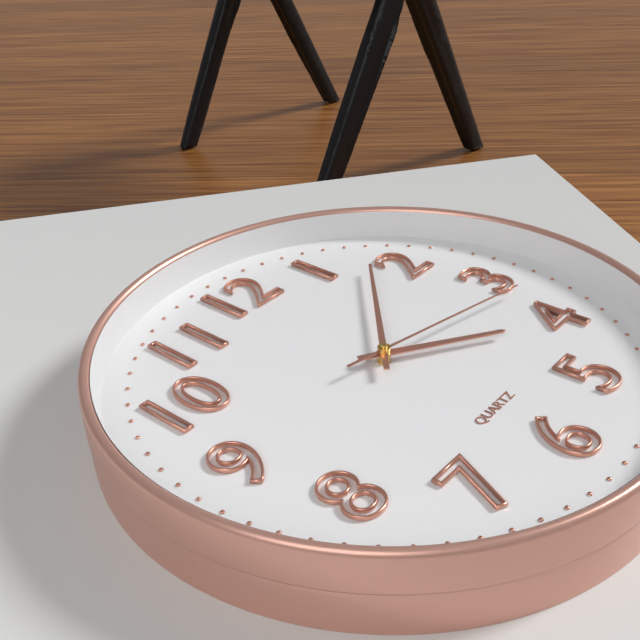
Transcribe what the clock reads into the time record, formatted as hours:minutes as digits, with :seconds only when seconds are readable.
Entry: 4:08:17
